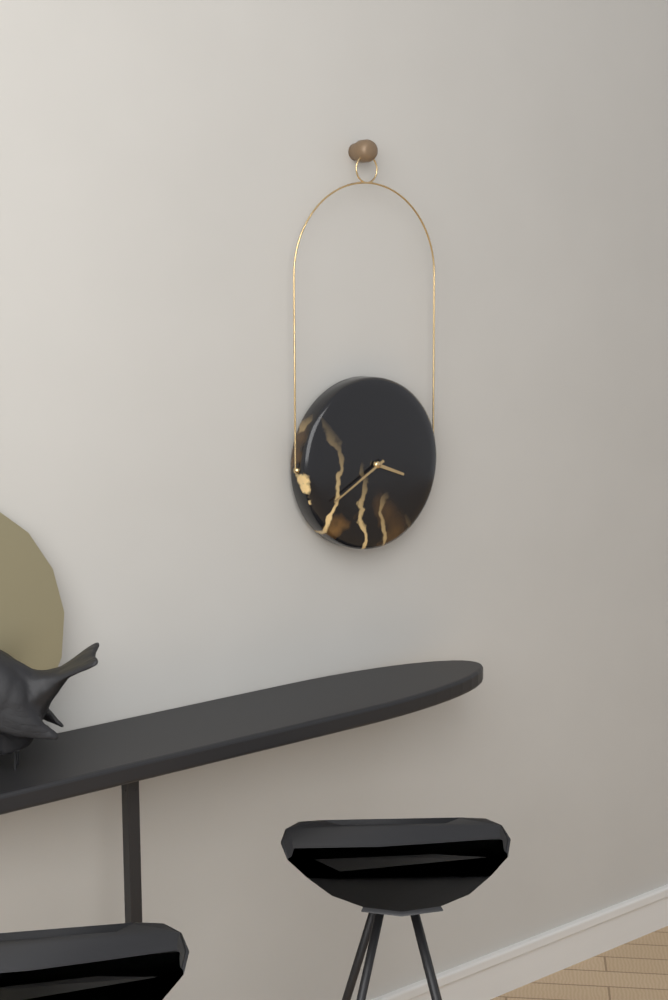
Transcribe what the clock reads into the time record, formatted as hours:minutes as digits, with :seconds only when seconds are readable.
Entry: 3:40
